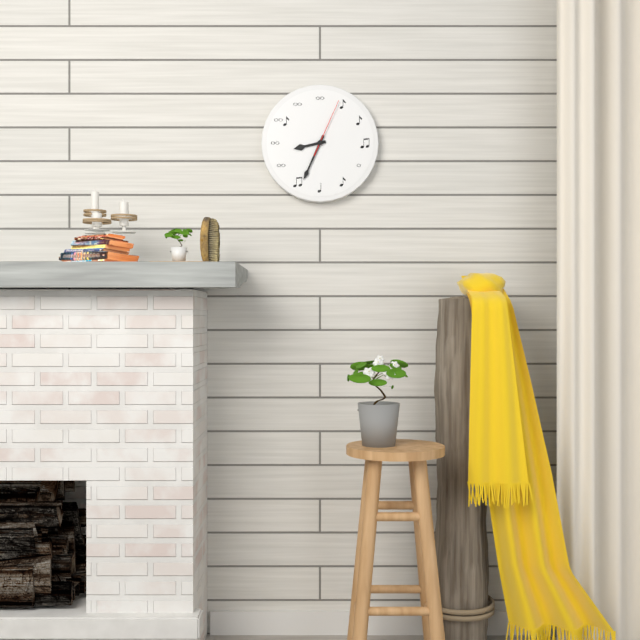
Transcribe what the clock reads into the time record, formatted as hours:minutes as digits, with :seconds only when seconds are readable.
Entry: 8:34:04
